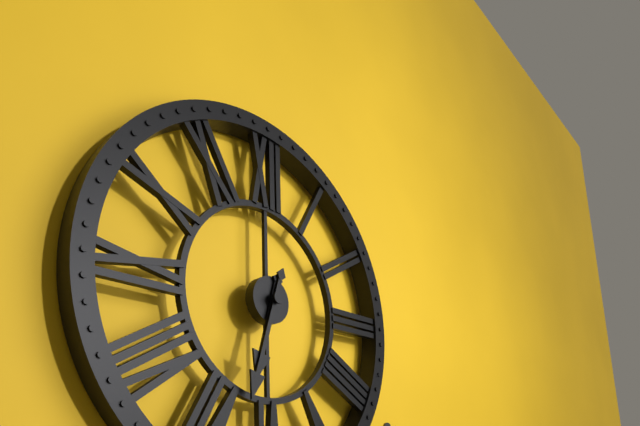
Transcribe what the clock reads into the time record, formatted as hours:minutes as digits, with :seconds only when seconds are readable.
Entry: 6:33
